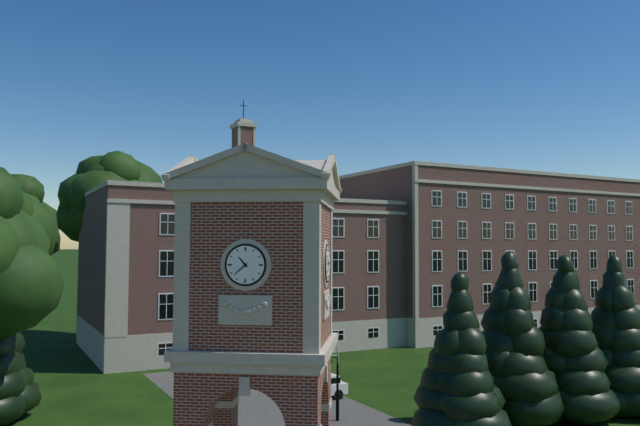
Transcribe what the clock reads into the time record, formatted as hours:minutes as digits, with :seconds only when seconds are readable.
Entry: 10:38
